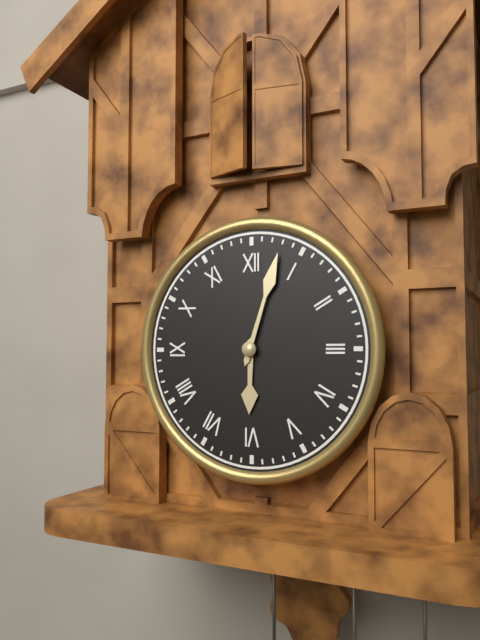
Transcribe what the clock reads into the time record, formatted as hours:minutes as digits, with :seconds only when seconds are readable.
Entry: 6:03
